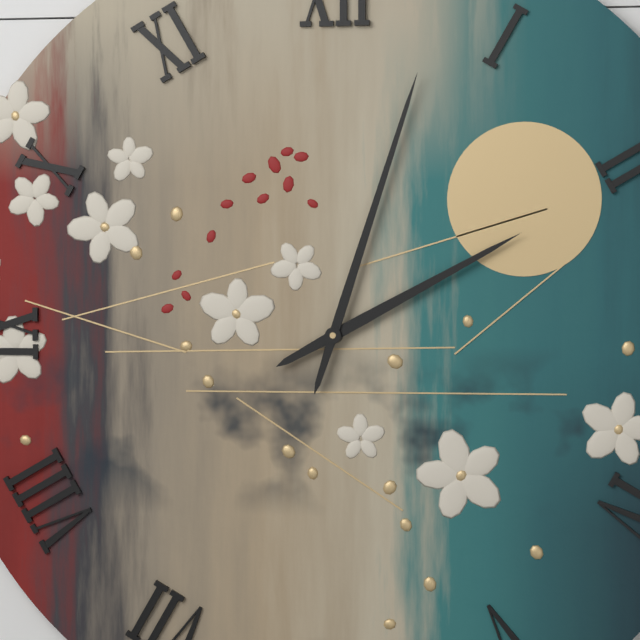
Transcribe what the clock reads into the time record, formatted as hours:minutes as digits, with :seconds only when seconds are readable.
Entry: 2:03
